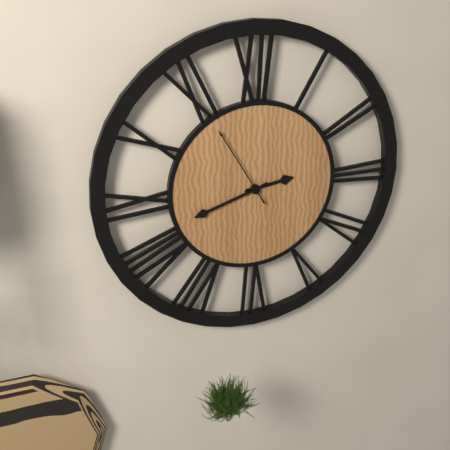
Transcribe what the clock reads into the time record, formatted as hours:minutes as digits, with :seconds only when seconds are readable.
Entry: 2:42:55
